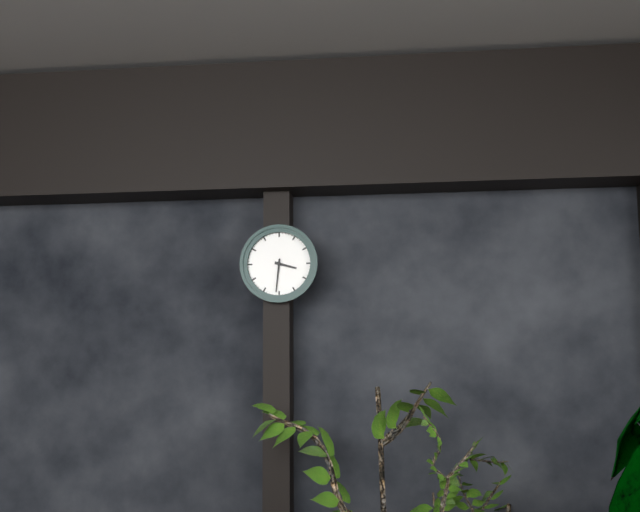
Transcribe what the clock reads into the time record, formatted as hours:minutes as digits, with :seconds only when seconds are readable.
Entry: 3:31
